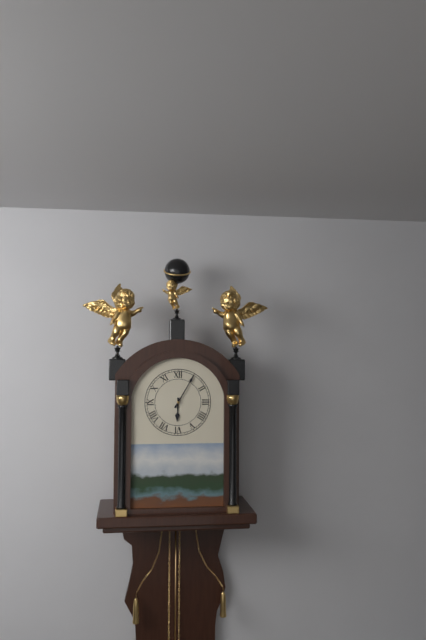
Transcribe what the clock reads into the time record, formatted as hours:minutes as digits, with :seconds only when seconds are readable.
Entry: 6:05
